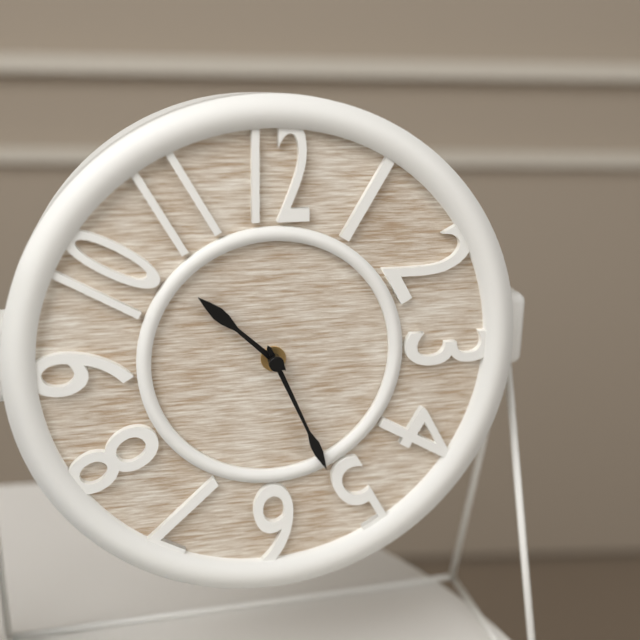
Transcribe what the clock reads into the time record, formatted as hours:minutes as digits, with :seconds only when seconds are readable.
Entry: 10:26
